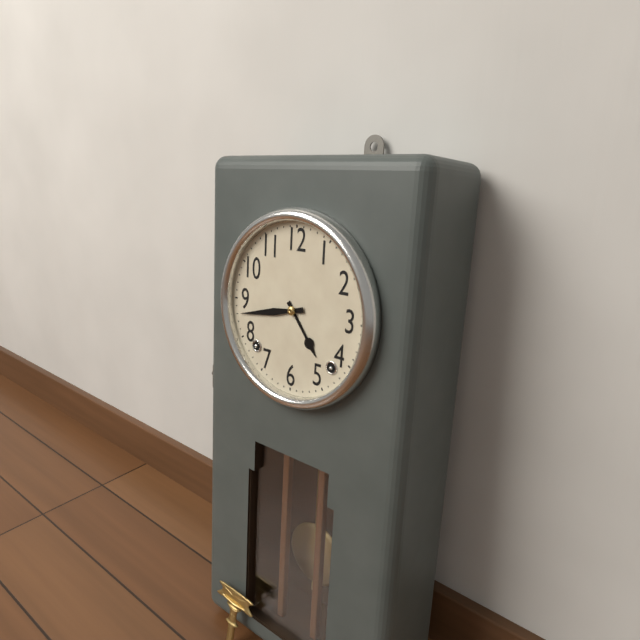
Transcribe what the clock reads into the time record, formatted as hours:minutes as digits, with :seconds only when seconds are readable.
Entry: 4:43
